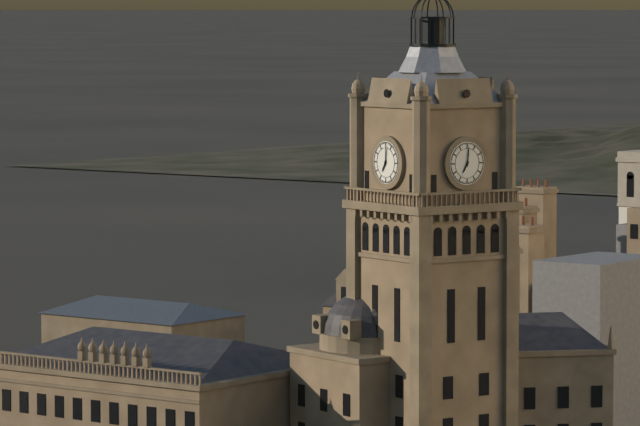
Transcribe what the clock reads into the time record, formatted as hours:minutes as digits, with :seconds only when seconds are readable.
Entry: 7:01
